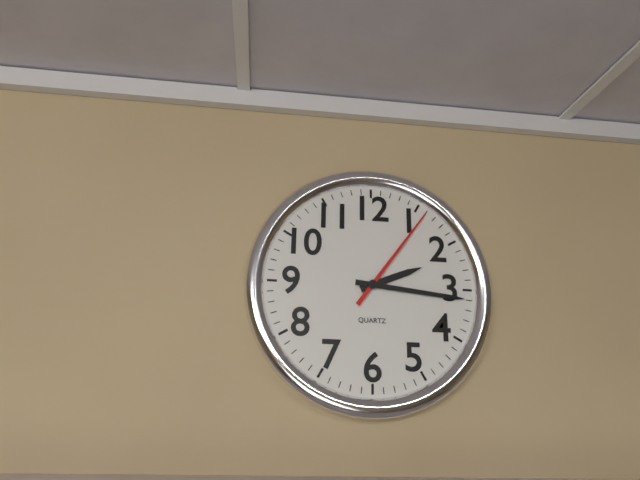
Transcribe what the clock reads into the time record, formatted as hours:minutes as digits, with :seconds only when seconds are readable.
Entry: 2:16:06
